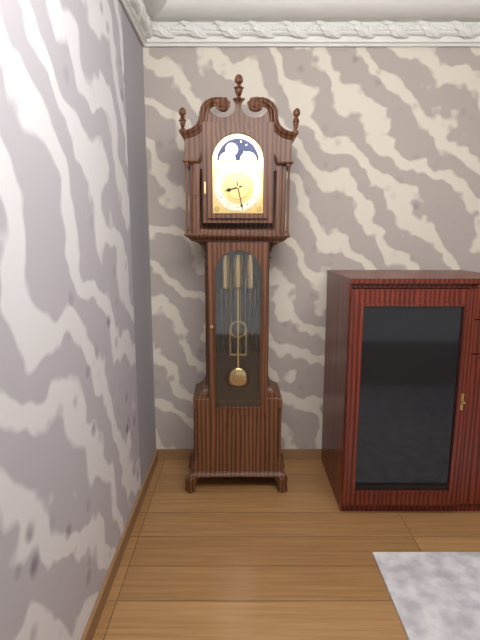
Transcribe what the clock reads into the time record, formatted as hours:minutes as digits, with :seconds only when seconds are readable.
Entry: 8:28
